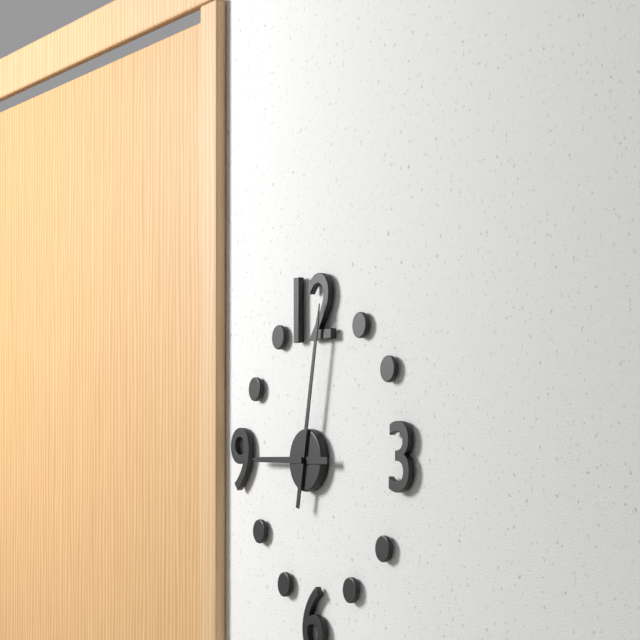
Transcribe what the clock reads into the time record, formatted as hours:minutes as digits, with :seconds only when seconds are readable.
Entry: 9:02
